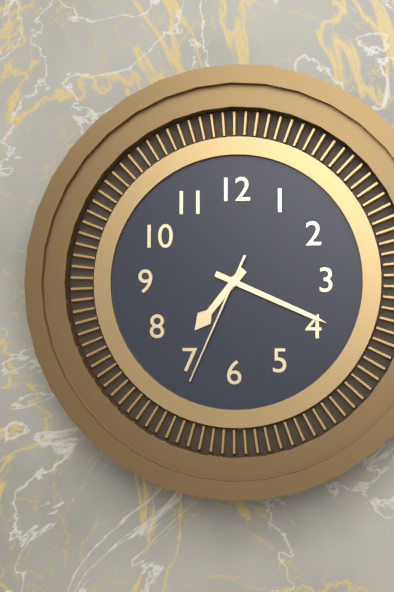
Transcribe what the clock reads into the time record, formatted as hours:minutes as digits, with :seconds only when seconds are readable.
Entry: 7:19:34
